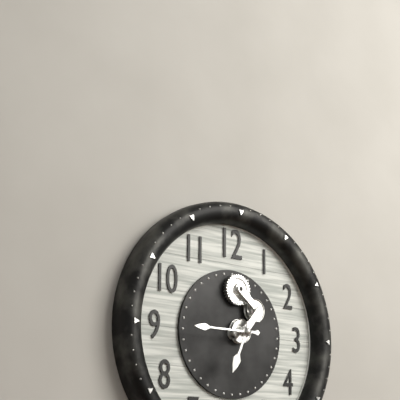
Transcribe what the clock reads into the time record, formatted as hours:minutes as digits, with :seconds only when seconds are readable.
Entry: 6:45
